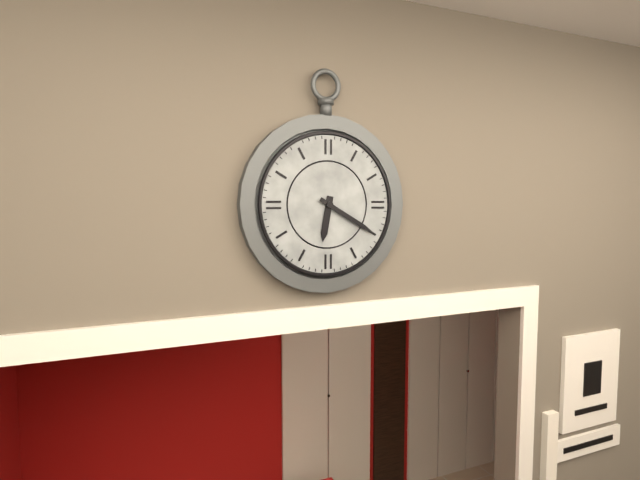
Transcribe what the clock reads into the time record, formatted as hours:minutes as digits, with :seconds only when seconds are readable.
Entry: 6:20
